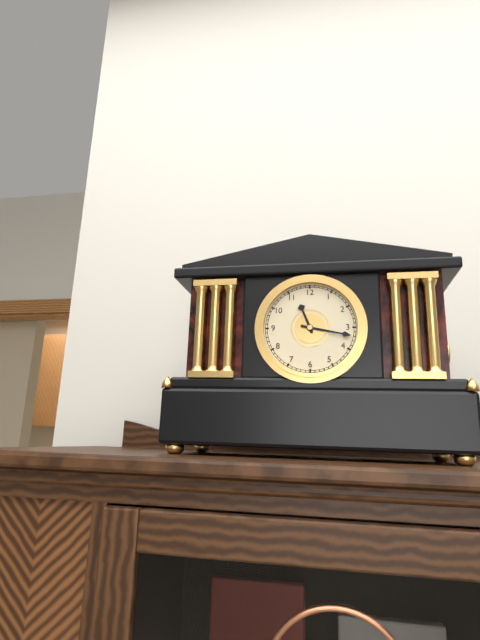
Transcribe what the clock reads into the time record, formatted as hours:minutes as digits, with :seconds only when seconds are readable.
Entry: 11:17
